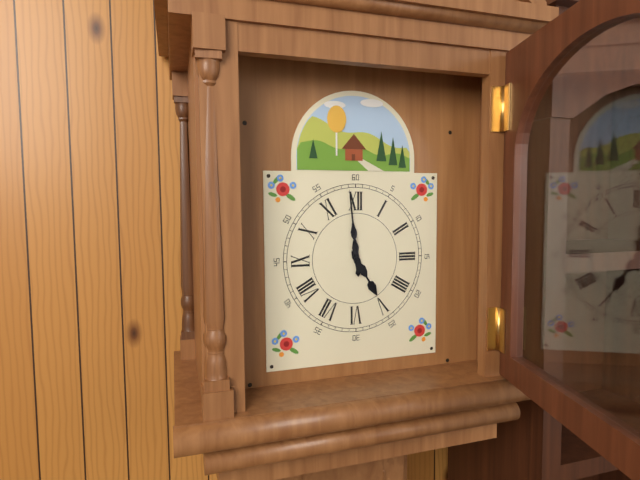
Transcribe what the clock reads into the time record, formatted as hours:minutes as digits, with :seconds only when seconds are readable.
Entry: 4:59
